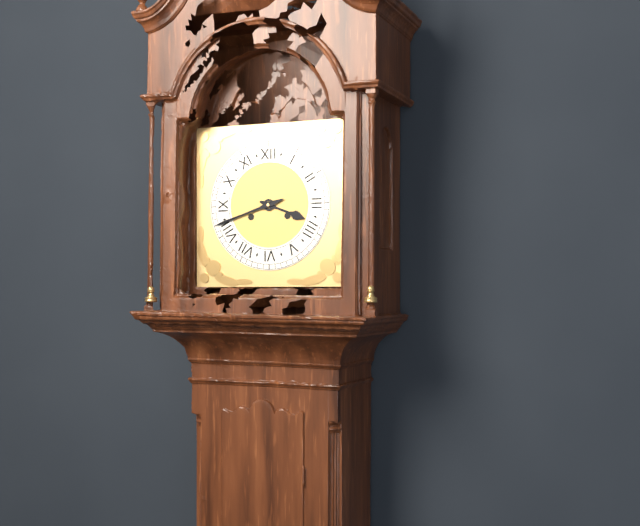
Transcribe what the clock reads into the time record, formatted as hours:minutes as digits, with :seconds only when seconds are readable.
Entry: 3:42
